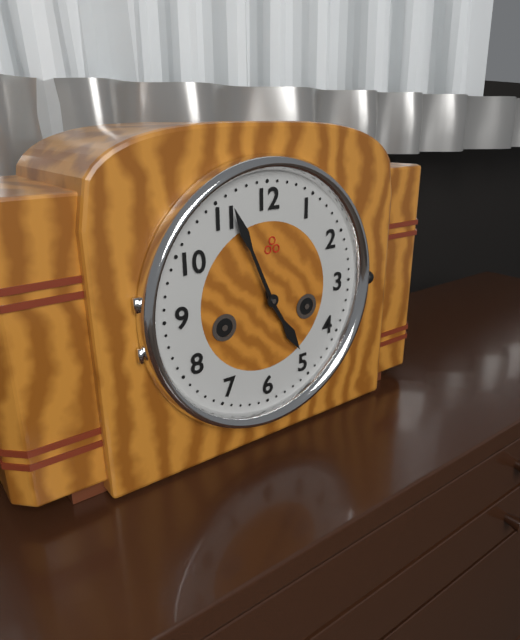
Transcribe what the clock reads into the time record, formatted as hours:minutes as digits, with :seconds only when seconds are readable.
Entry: 4:56
